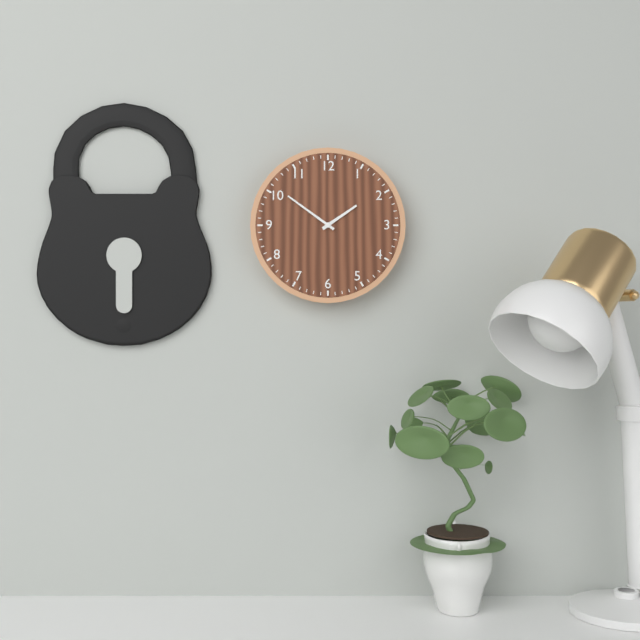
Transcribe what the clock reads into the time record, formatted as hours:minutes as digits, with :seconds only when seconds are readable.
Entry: 1:51
